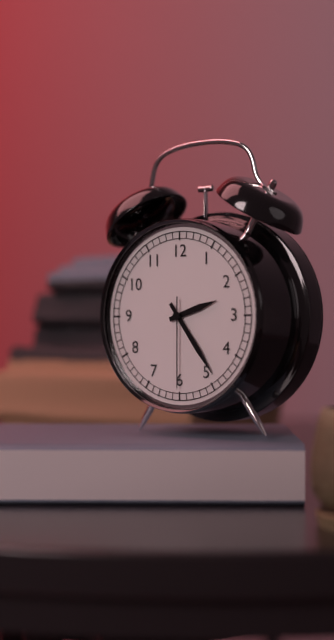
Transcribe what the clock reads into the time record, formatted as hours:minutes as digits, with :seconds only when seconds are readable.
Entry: 2:24:30
